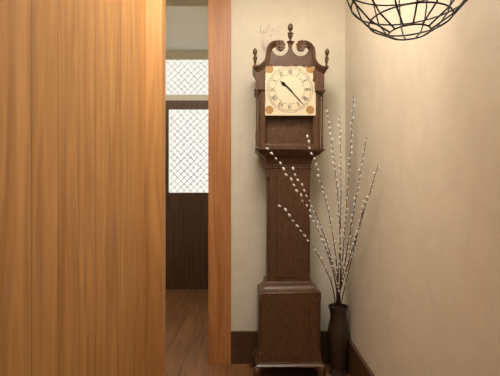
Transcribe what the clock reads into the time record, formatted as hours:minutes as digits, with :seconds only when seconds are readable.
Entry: 10:23
